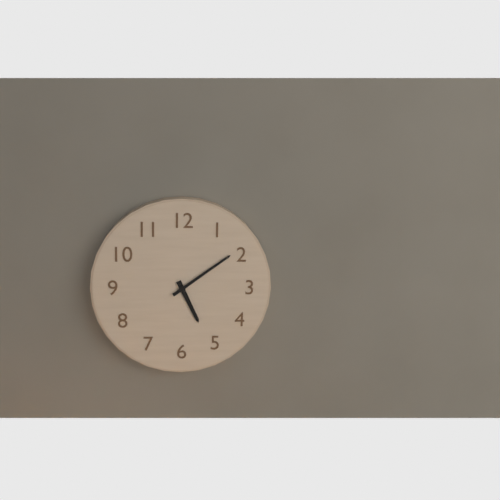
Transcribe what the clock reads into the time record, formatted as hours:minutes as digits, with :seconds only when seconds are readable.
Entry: 5:09
